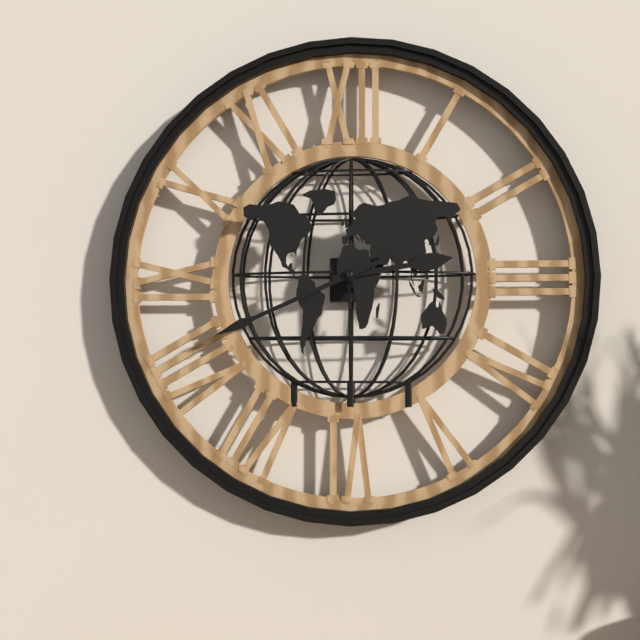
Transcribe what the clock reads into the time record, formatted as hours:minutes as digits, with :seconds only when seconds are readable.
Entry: 2:41
